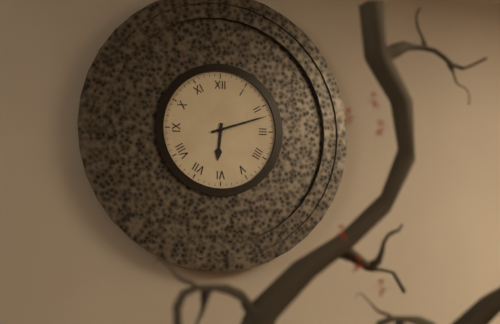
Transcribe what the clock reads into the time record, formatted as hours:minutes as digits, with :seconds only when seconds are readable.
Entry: 6:12
